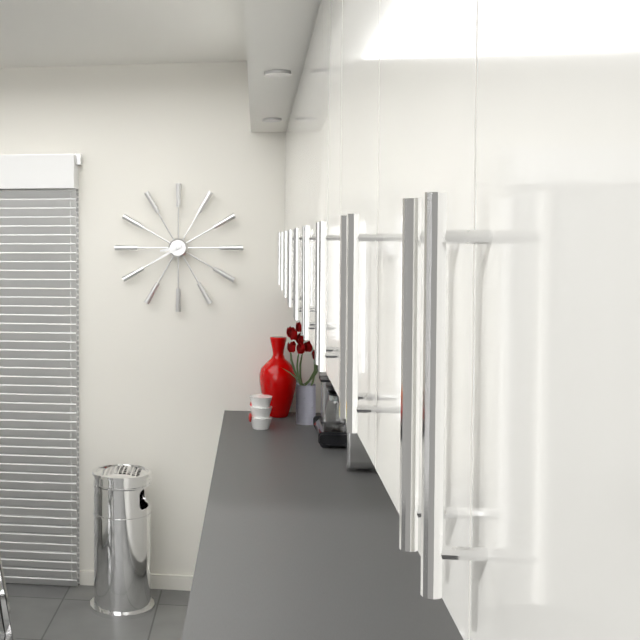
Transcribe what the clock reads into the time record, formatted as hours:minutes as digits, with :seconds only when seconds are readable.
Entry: 8:40
